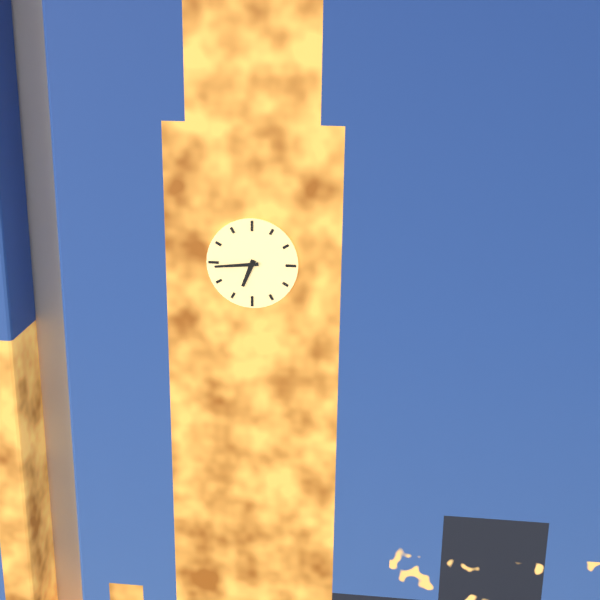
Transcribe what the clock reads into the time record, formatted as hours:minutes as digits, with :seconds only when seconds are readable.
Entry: 6:44
